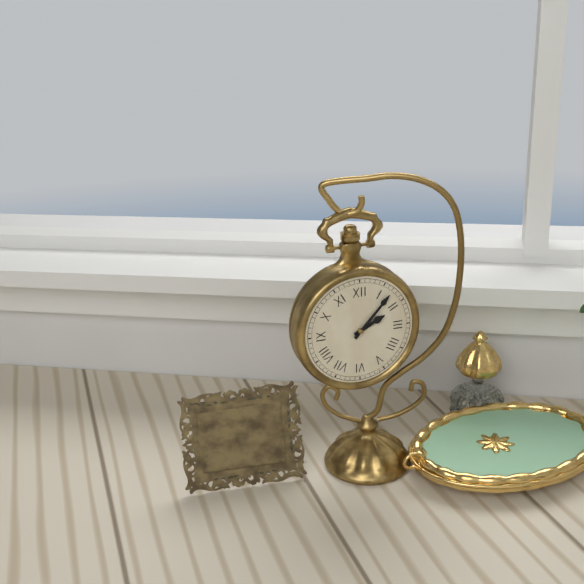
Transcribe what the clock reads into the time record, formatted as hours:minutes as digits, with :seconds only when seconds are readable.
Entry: 2:07
